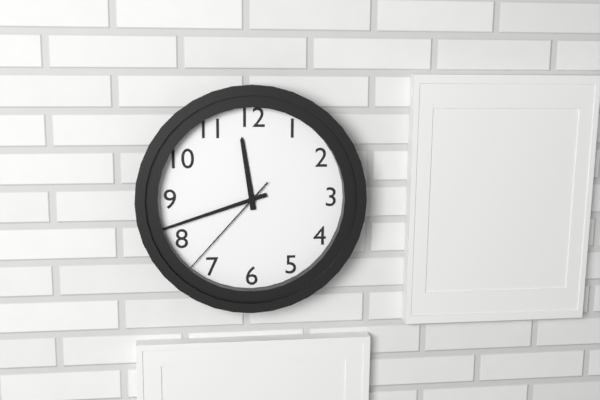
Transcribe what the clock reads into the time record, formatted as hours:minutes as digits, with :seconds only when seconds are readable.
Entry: 11:42:37
